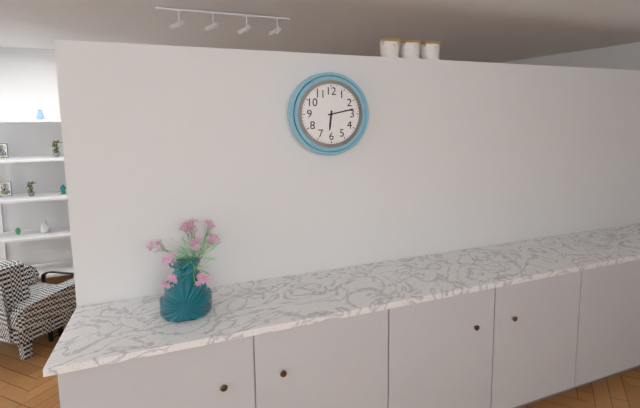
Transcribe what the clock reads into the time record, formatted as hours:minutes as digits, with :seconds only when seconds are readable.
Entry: 6:13
